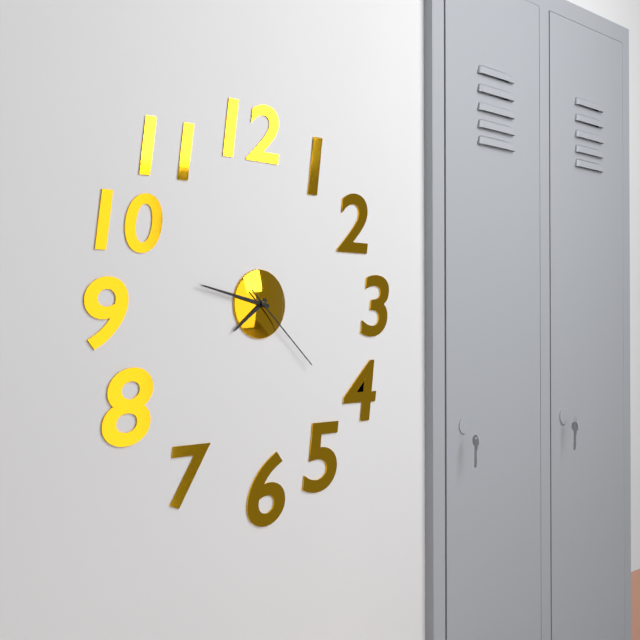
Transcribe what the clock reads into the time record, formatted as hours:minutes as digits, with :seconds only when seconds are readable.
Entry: 7:47:22
